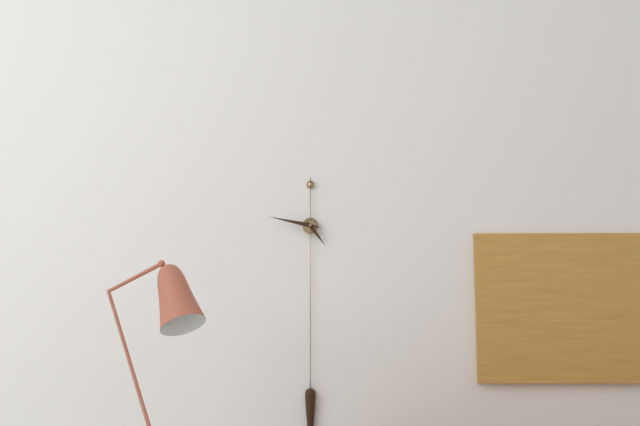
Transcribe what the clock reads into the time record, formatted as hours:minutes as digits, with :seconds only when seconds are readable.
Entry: 4:47
